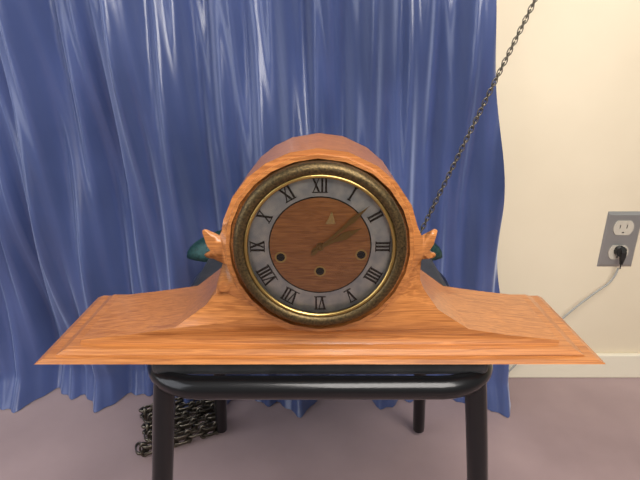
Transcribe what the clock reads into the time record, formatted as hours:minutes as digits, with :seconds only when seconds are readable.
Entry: 2:08
